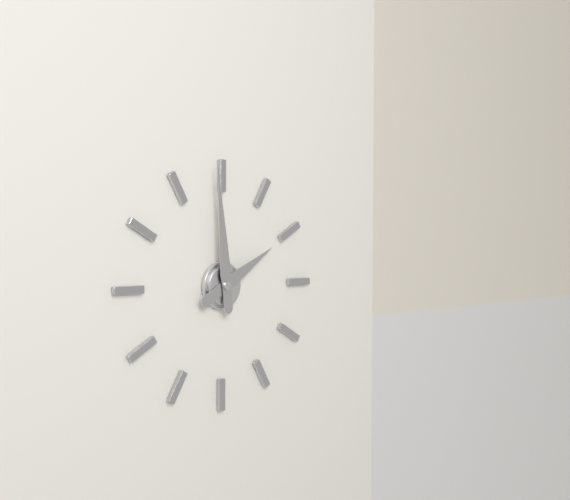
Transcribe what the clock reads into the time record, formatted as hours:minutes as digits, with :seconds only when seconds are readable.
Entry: 1:59
